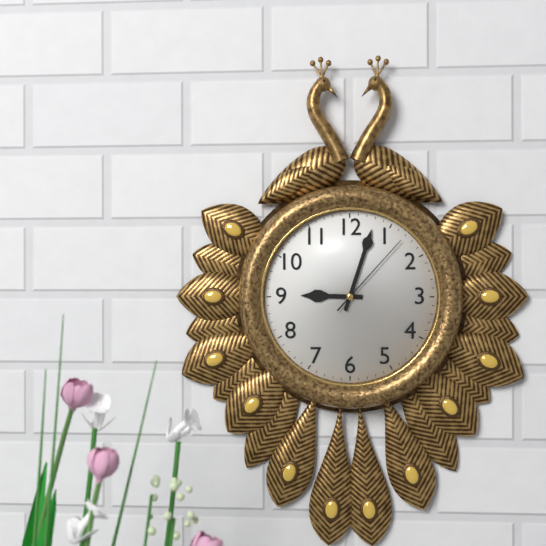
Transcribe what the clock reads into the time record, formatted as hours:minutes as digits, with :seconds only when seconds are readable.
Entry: 9:03:07
